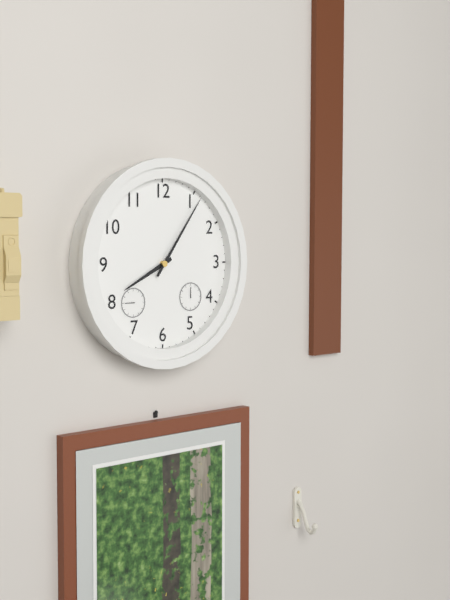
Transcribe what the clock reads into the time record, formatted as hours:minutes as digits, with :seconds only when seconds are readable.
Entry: 8:06
